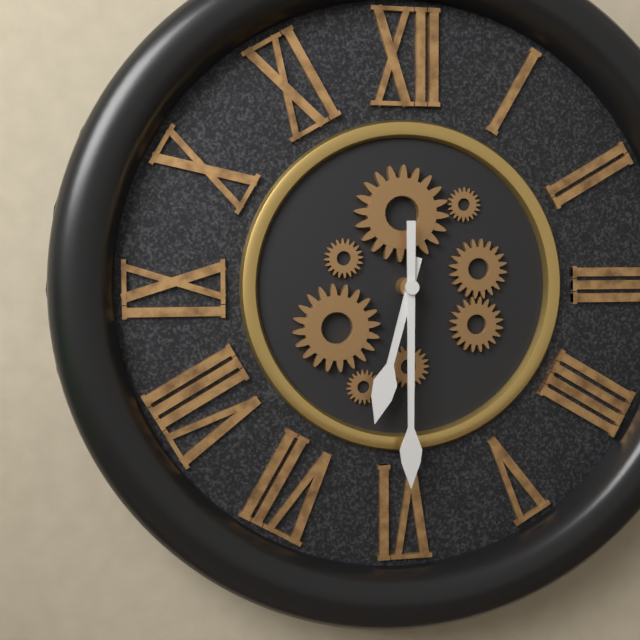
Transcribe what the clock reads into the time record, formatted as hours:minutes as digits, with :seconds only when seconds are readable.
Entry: 6:30
